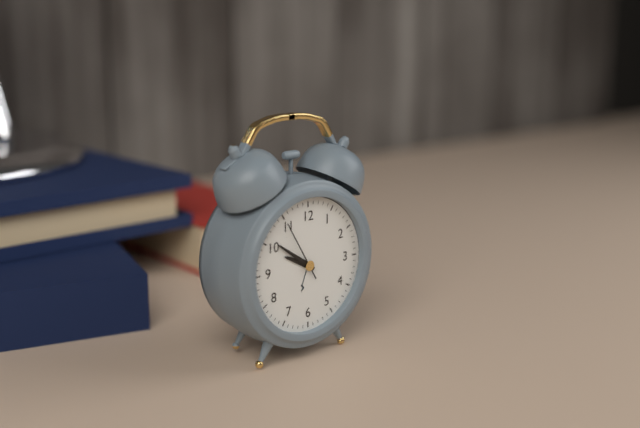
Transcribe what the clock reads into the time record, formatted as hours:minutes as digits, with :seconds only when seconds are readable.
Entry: 9:51:55
